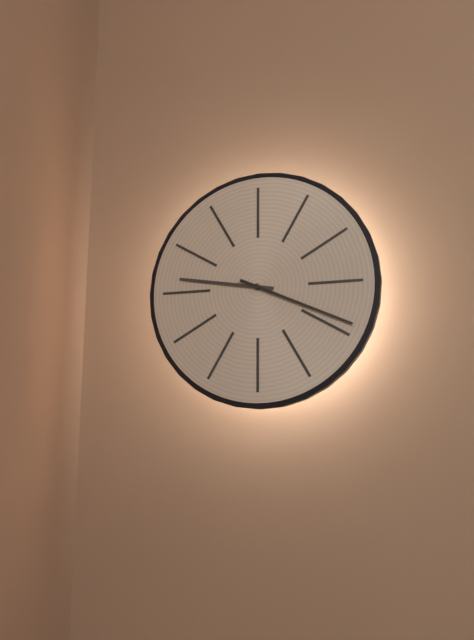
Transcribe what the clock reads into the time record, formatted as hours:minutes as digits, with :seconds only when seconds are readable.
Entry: 9:19
